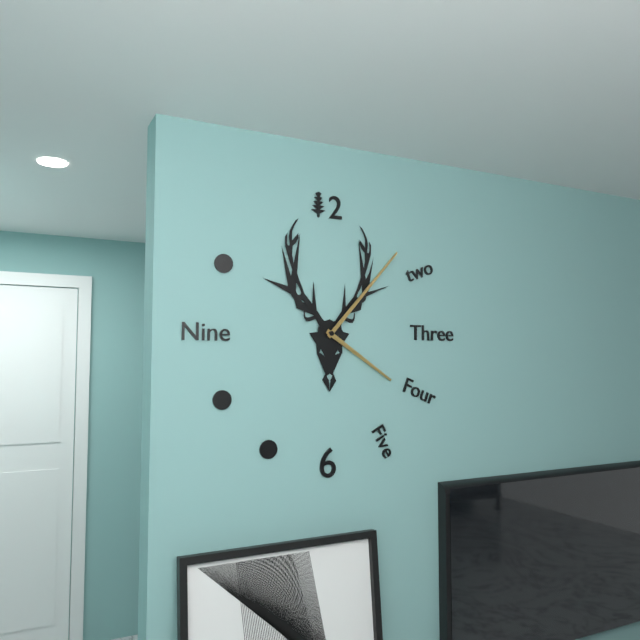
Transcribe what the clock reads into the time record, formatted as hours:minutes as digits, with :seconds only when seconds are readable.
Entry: 4:07
